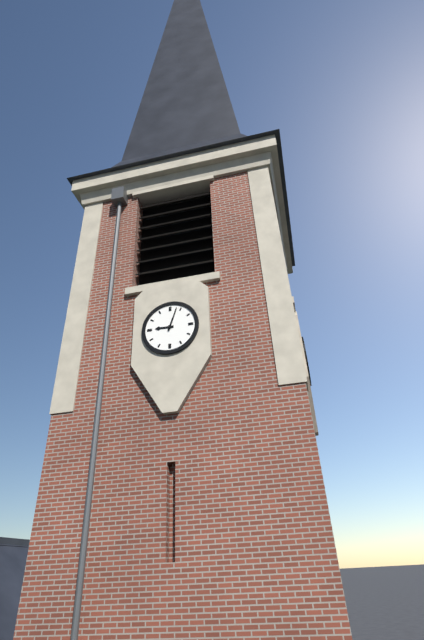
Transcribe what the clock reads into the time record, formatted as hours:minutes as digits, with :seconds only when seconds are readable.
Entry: 9:03
